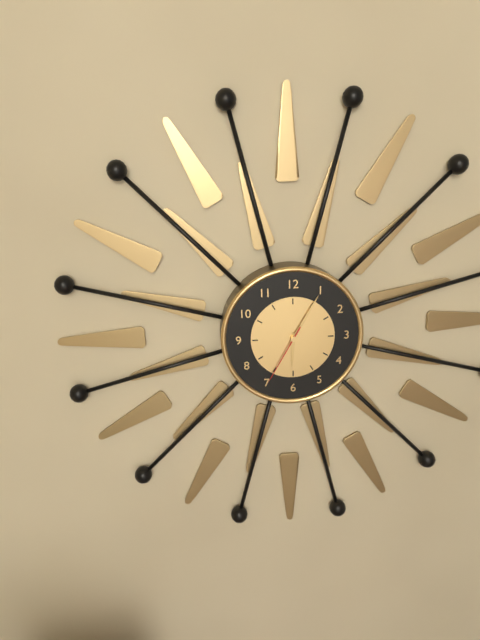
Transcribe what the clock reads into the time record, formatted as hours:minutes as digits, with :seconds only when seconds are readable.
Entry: 6:05:35
